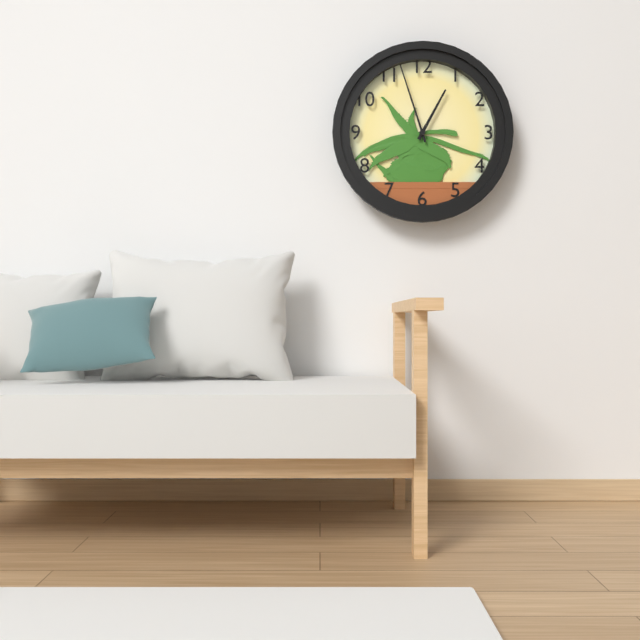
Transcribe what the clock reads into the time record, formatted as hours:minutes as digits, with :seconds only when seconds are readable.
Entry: 12:57
